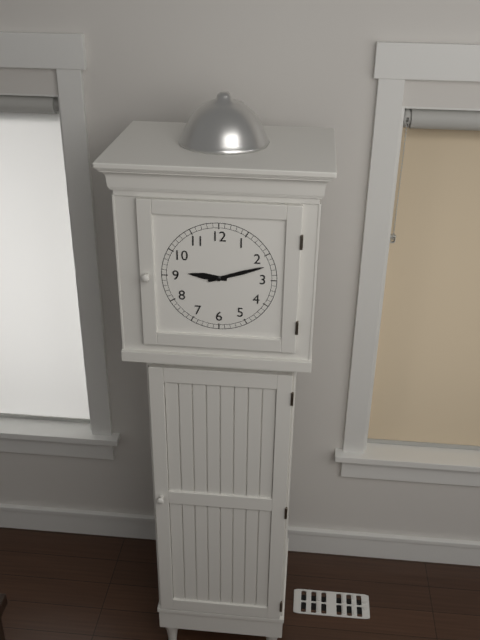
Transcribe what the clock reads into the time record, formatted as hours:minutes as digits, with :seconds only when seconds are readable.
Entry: 9:12
